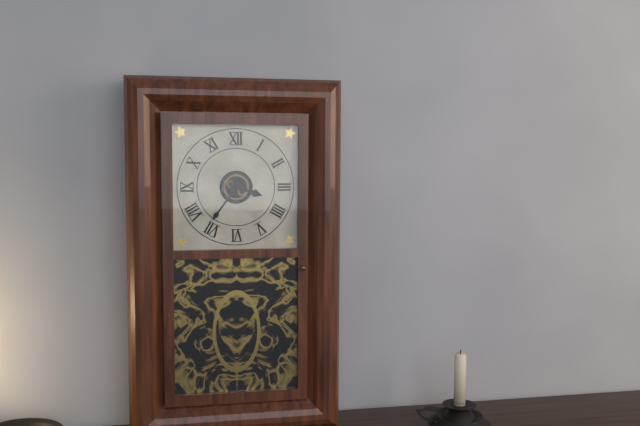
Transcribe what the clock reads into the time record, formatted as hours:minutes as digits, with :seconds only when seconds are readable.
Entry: 3:36
